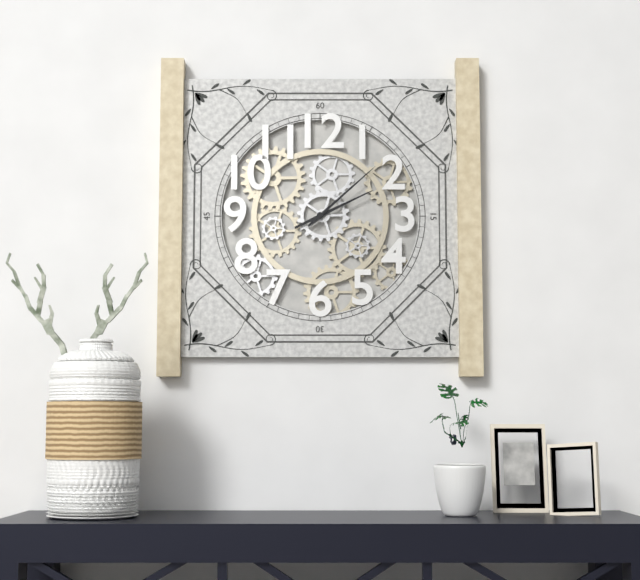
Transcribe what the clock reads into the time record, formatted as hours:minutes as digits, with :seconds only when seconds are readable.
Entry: 2:08
